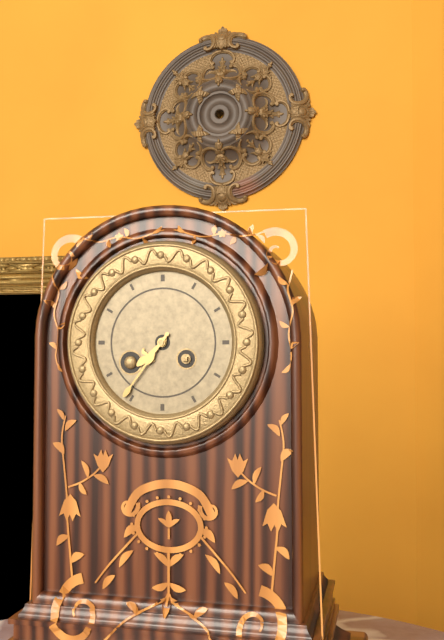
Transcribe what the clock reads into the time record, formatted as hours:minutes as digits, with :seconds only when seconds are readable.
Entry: 7:36
